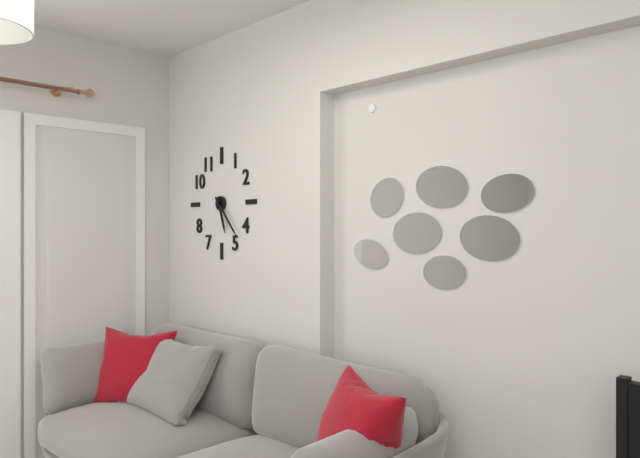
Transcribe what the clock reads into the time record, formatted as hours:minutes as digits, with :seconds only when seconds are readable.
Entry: 5:23
